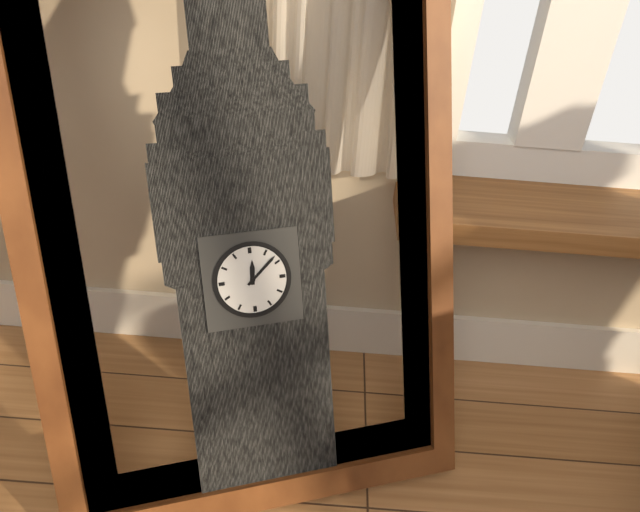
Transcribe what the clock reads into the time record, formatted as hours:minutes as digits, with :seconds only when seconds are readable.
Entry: 12:08
